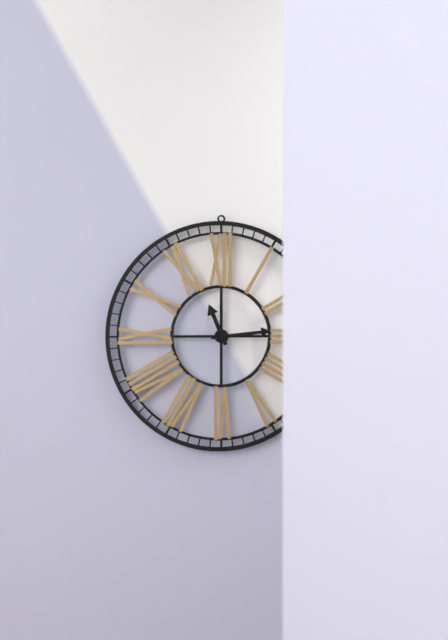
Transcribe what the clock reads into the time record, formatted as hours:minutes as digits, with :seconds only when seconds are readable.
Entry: 11:14
